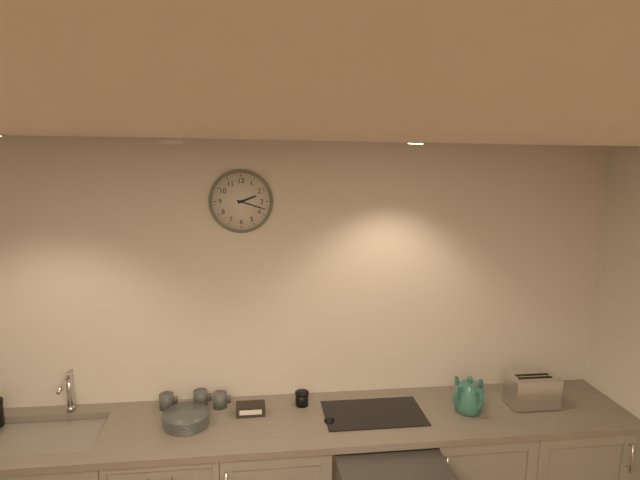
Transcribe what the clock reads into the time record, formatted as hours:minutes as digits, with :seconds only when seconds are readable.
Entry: 2:18
